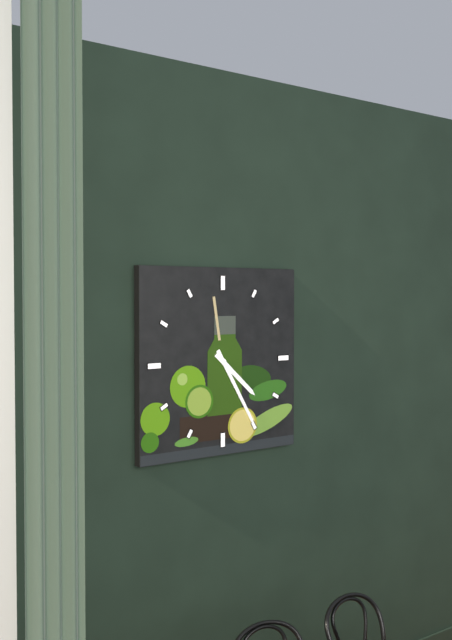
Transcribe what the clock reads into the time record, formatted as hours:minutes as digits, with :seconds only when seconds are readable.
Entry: 4:25
